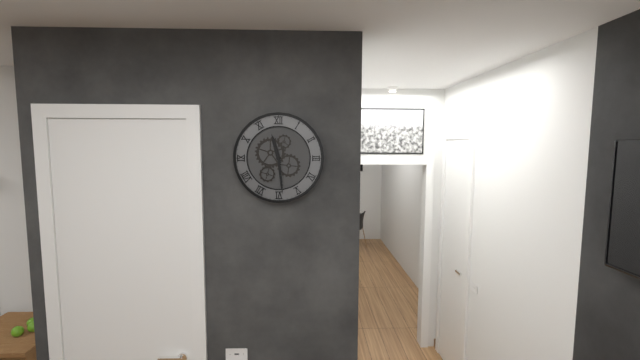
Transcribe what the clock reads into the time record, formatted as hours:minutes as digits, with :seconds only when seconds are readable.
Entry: 11:29
